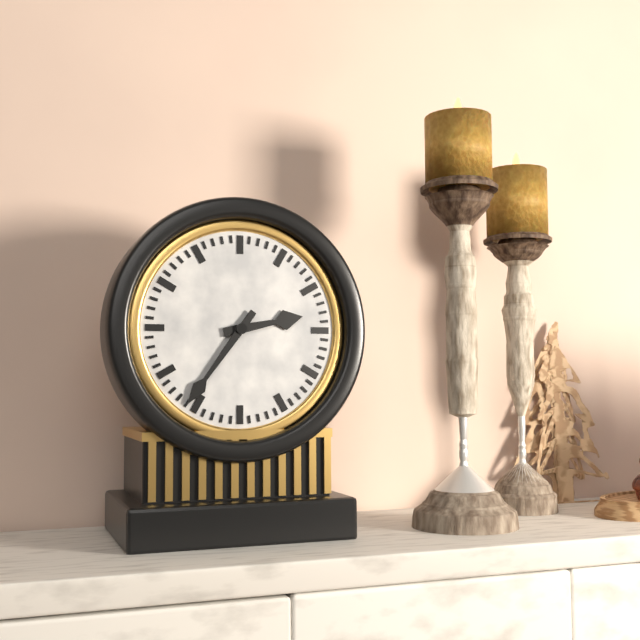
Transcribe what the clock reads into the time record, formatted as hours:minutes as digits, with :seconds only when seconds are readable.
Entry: 2:36
